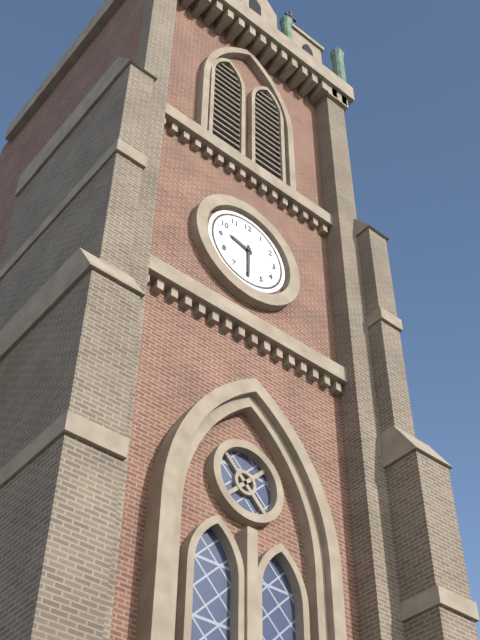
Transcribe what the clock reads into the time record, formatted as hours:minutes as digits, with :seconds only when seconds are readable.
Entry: 9:30
